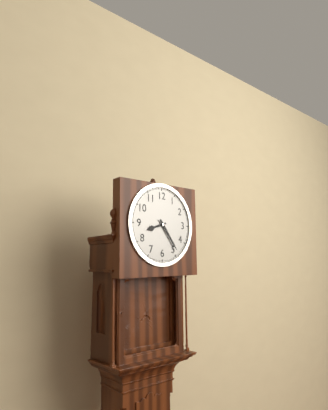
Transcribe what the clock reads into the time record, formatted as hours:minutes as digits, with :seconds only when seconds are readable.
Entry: 8:24
